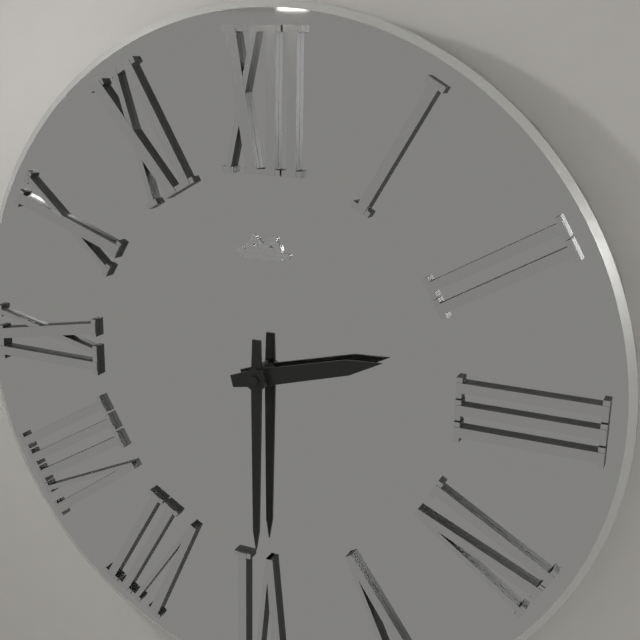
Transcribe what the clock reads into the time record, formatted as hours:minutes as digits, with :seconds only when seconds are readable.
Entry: 2:30
